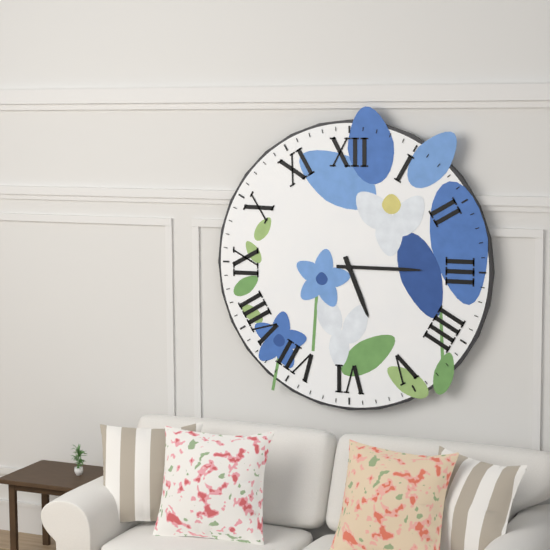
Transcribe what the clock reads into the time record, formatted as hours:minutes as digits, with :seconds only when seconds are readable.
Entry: 5:15
